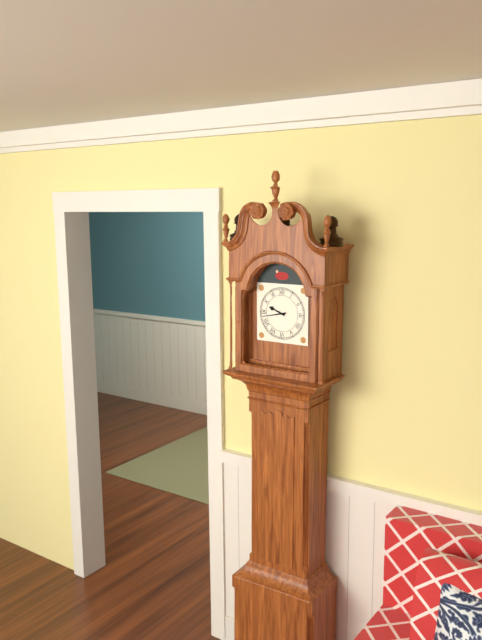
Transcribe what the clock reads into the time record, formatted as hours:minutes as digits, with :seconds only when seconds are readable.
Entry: 9:43
